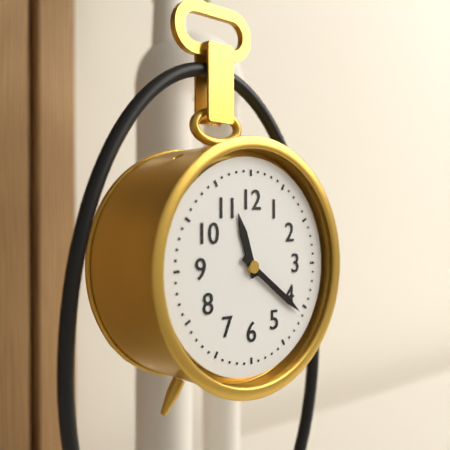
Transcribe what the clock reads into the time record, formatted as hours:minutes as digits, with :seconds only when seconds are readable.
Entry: 11:21
